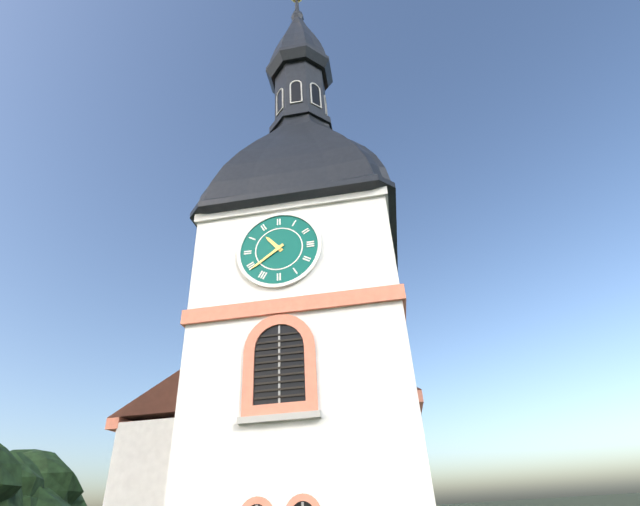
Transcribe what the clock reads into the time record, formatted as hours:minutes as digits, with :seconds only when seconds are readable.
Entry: 10:39
